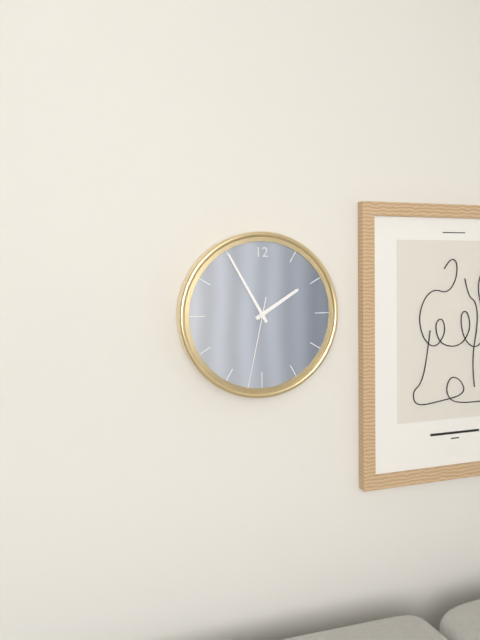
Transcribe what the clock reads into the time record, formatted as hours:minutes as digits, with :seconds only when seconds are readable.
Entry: 1:55:32
